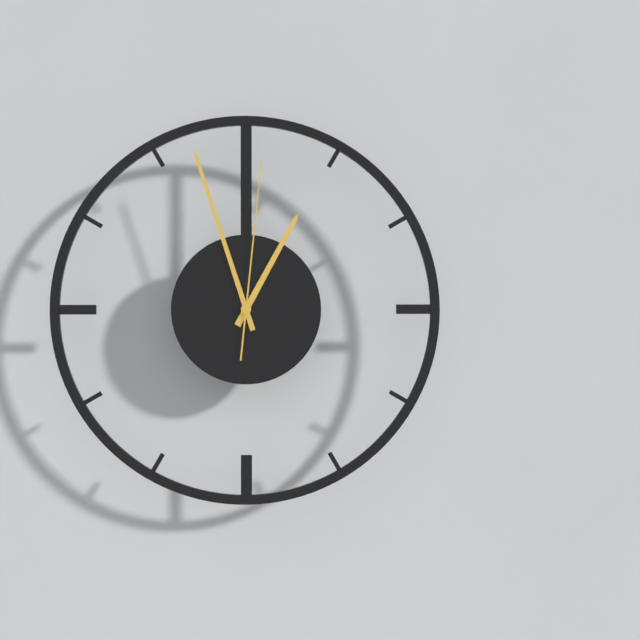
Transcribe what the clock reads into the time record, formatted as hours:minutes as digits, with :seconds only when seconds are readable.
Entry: 12:57:01
